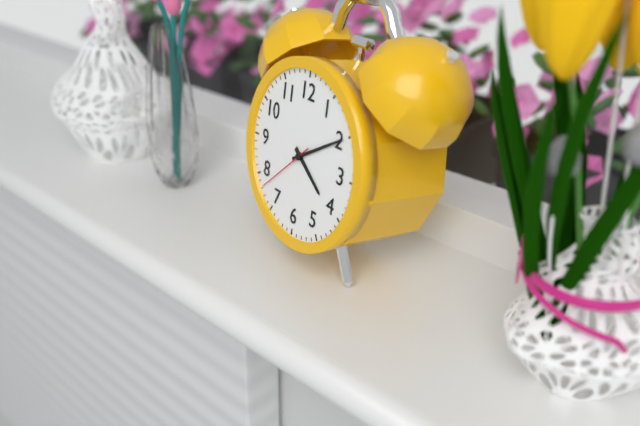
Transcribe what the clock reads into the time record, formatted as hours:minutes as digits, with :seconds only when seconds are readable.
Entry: 4:10:38
